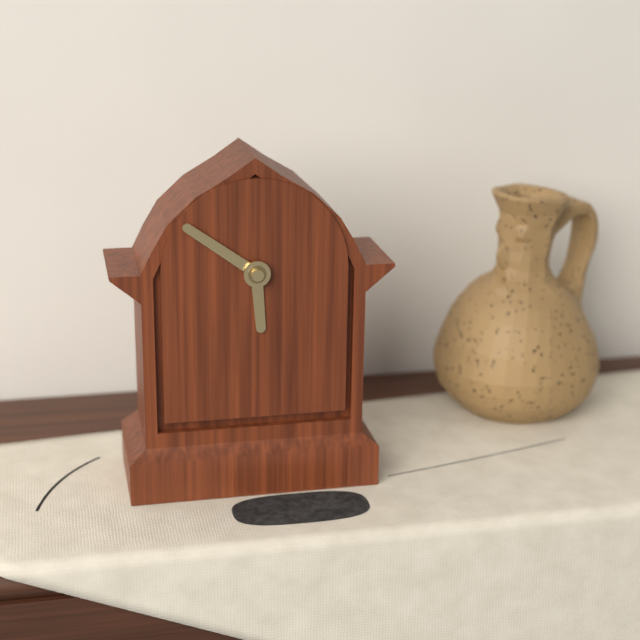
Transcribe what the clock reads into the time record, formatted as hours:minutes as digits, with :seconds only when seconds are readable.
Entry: 5:51
